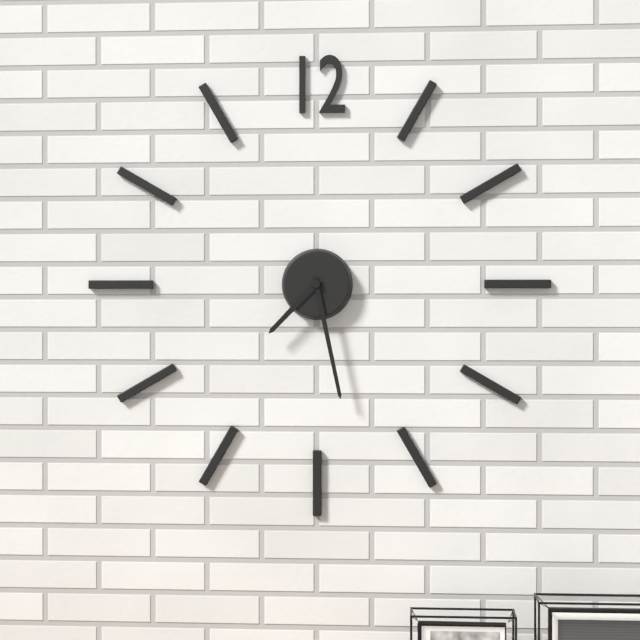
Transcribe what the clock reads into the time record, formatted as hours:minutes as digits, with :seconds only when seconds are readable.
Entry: 7:28
